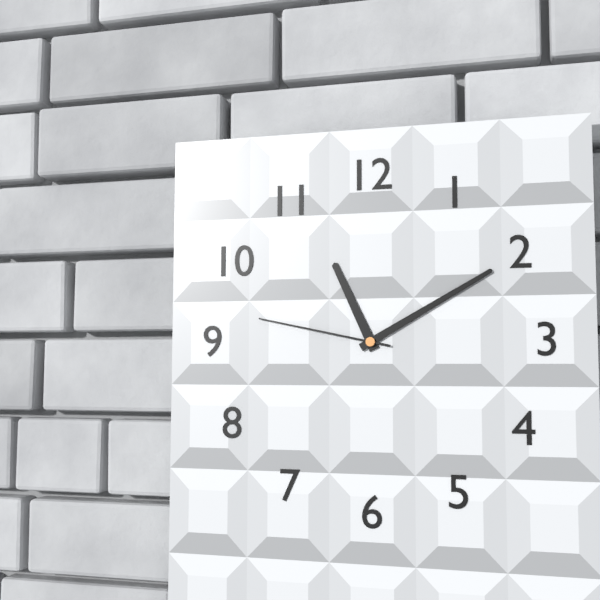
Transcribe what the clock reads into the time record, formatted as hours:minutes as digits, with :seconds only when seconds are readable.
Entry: 11:10:47
